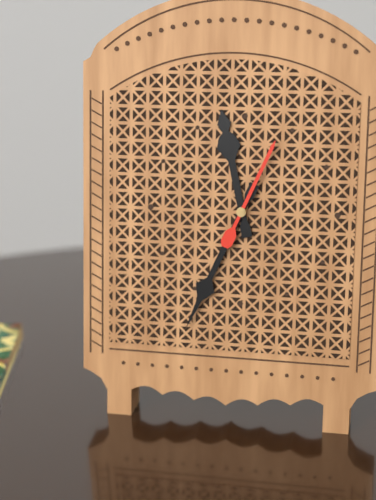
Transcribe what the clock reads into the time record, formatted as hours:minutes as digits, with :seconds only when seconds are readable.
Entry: 11:34:04
